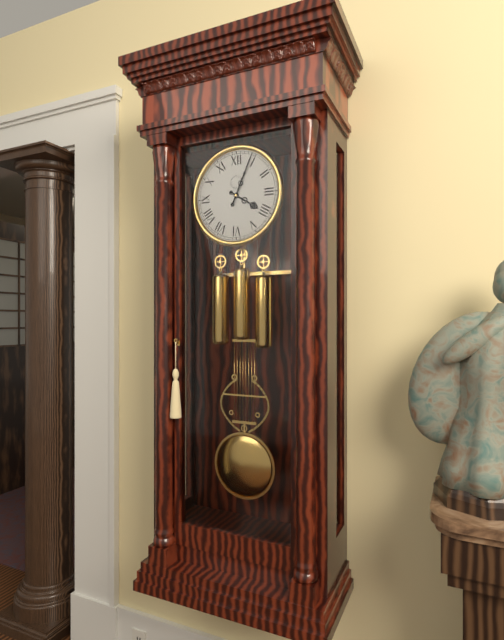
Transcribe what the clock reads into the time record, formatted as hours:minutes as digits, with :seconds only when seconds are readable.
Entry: 4:04
